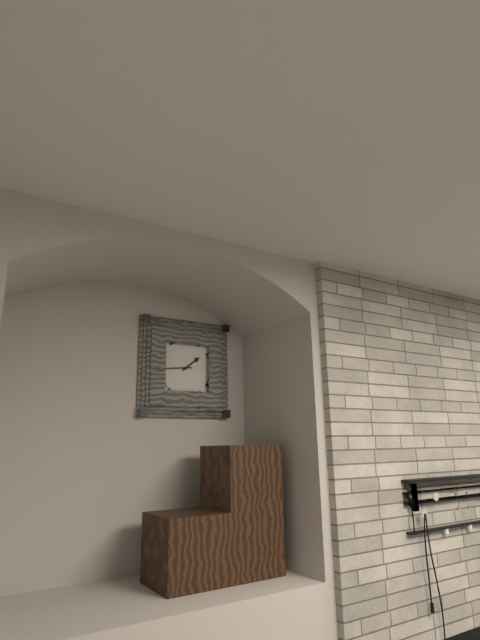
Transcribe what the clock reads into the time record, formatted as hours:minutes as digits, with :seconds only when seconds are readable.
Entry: 1:44
